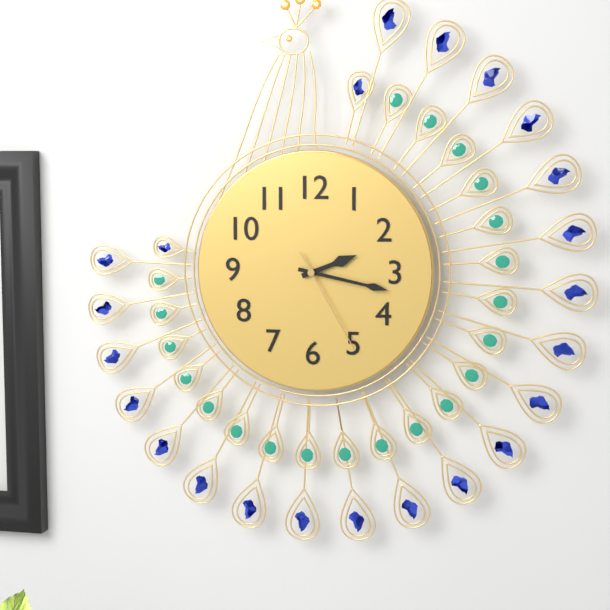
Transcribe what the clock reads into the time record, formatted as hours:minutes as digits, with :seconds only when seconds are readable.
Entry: 2:17:25
